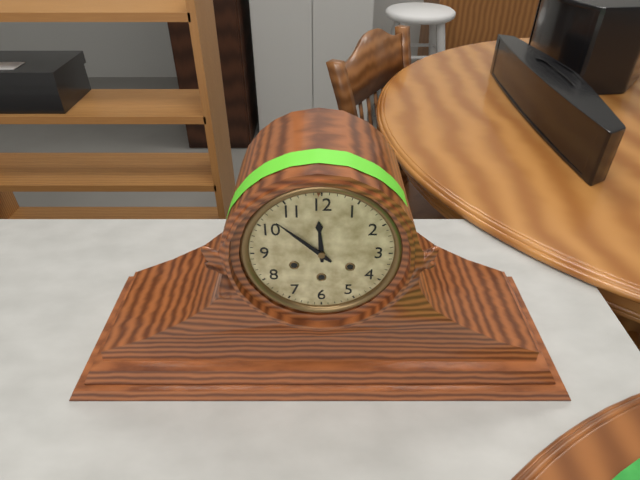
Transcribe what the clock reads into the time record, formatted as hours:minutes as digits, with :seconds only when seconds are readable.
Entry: 11:52
